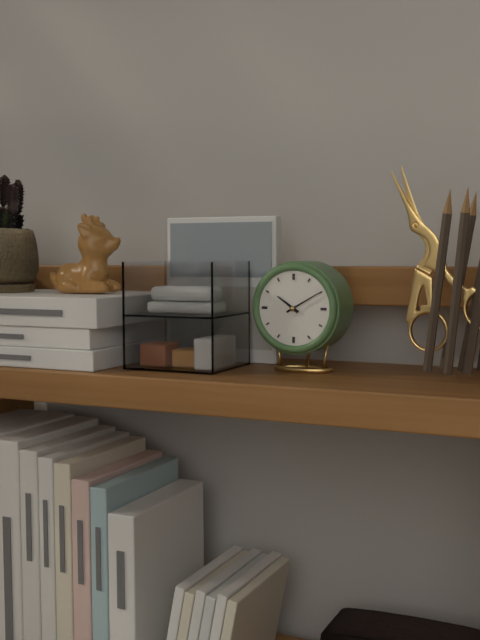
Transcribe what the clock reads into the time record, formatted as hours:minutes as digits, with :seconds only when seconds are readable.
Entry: 10:10
